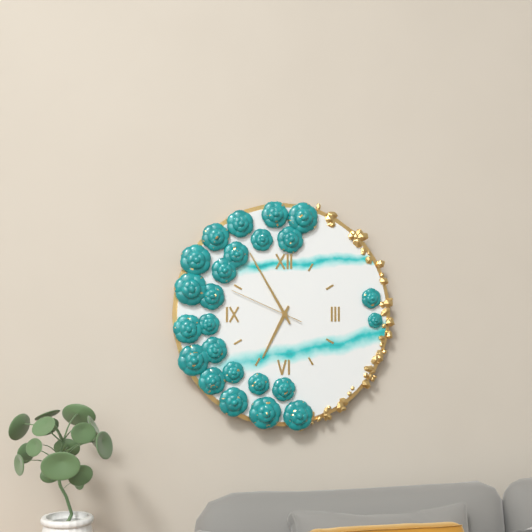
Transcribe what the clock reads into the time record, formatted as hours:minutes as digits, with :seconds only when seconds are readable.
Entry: 6:55:49
